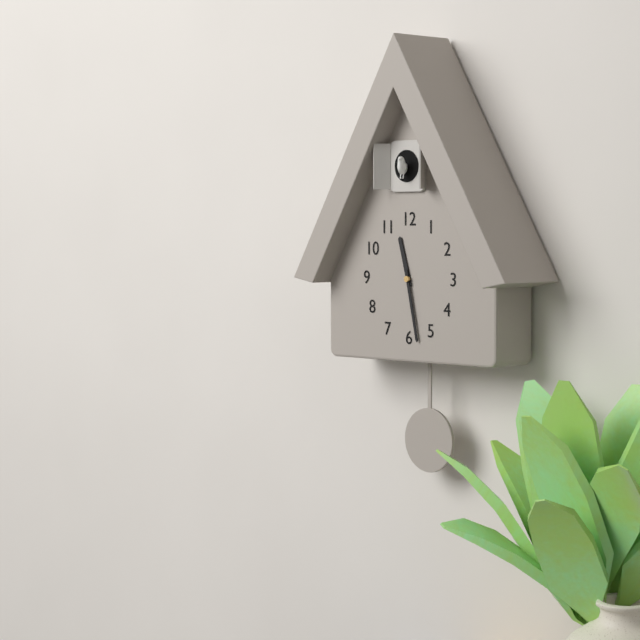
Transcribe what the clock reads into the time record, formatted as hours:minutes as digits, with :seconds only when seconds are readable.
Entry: 11:28
